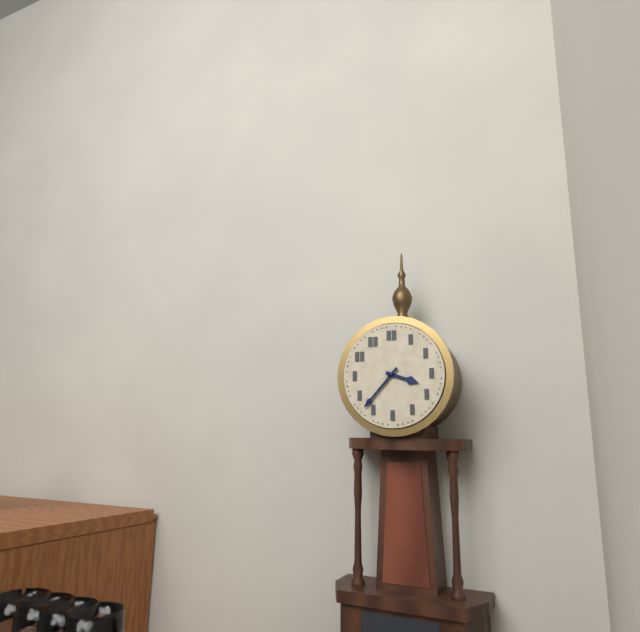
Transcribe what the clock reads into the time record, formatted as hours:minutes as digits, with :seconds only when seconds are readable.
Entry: 3:37
